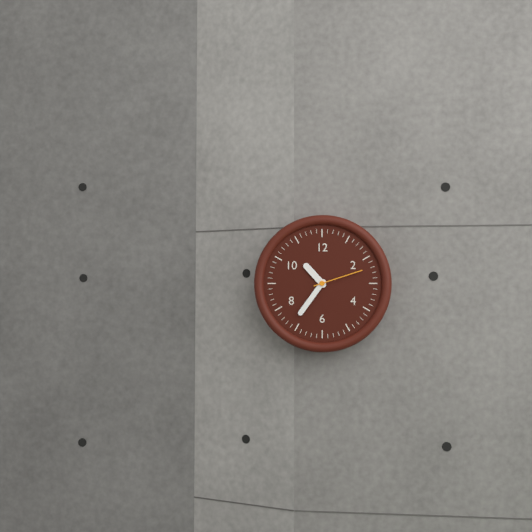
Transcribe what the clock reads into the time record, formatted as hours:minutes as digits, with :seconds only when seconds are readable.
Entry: 10:36:12
